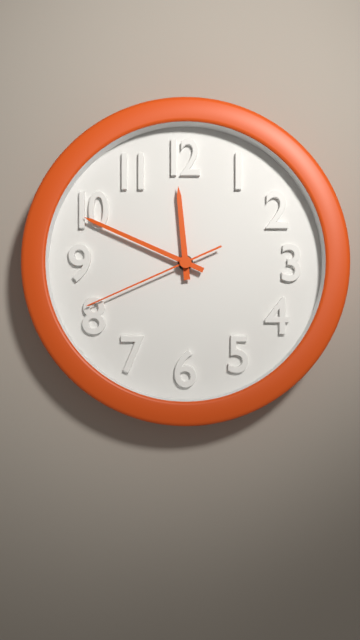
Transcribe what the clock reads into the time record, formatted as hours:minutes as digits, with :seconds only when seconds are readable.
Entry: 11:49:41
